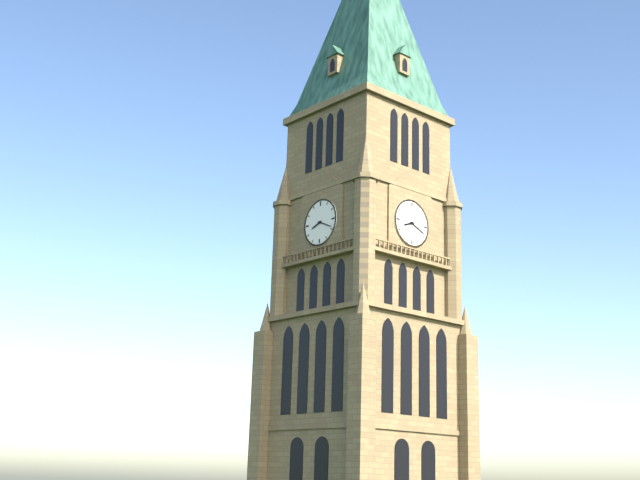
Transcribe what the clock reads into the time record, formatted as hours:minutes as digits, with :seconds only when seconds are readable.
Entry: 8:19
